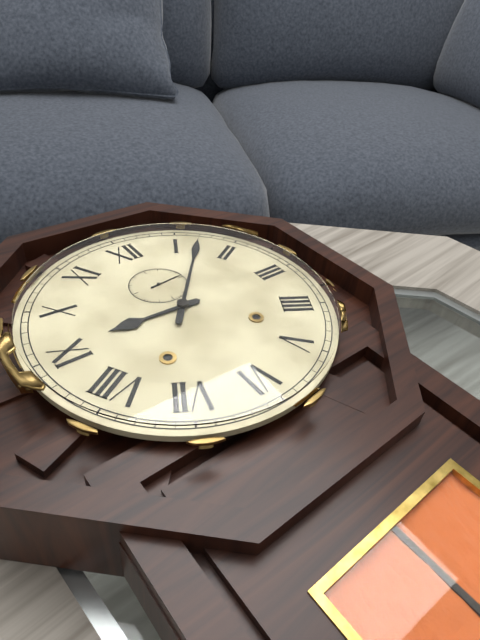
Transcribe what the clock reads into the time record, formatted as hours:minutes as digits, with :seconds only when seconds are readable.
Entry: 9:07:14
